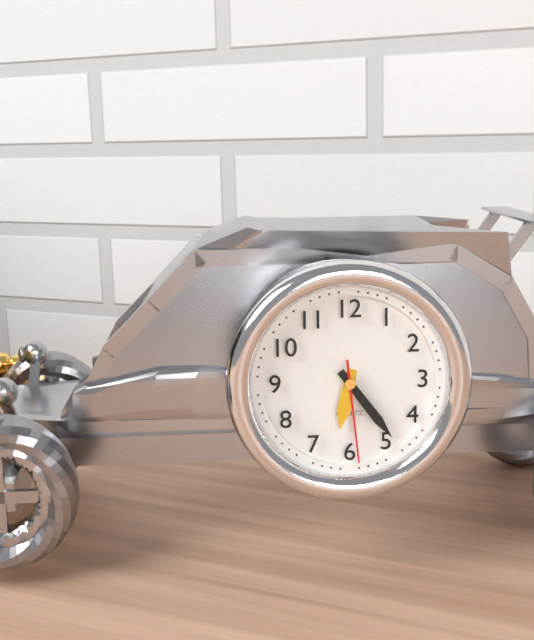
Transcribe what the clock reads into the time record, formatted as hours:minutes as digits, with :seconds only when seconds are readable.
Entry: 6:24:29
